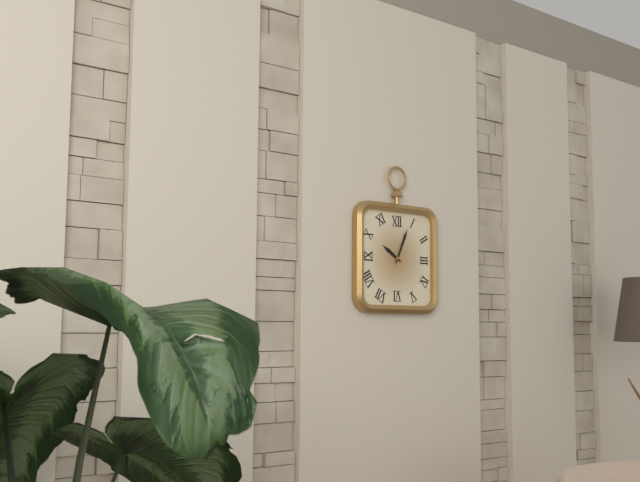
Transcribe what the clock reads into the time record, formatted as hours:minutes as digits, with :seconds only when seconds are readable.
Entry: 10:04
